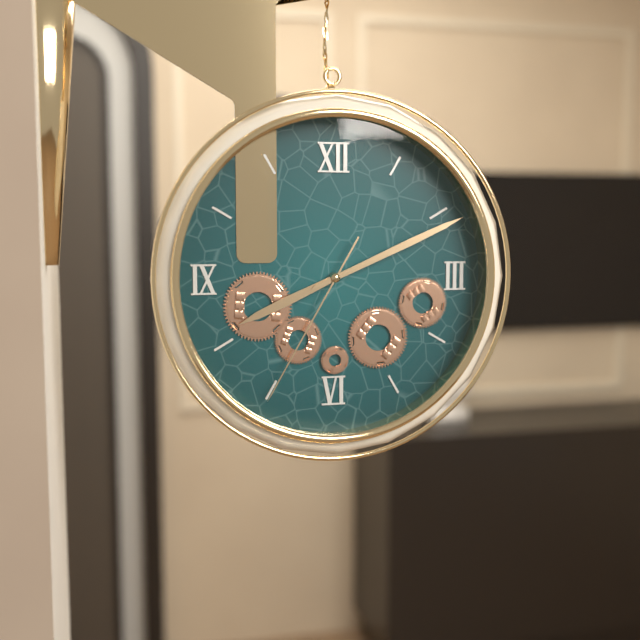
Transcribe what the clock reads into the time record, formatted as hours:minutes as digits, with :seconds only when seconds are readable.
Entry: 8:11:35
